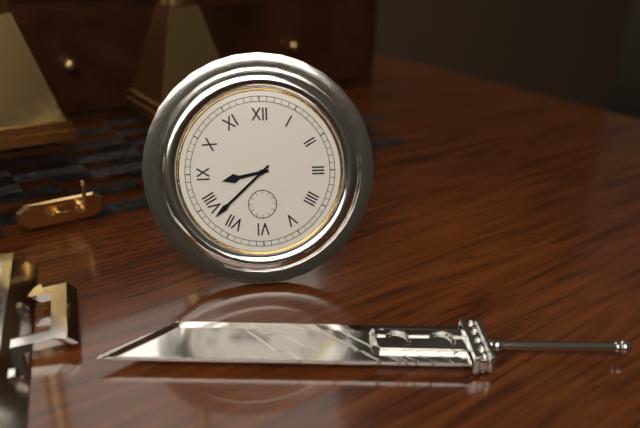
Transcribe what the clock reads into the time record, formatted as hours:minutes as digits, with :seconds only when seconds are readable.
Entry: 8:38
